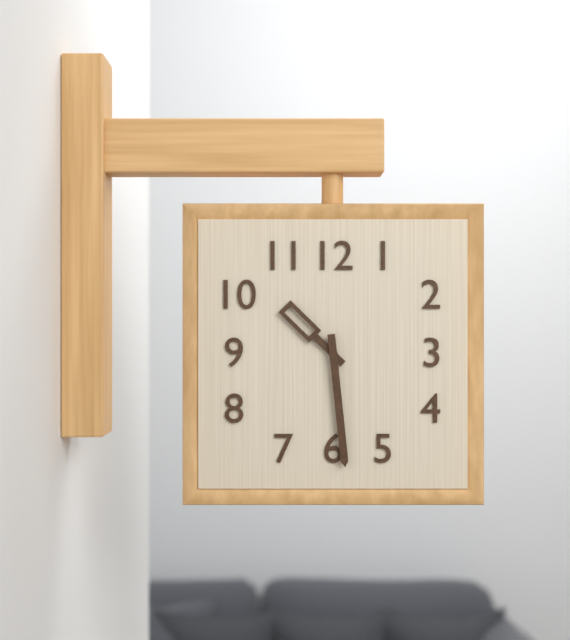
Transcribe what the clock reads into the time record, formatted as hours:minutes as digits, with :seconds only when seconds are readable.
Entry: 10:29
